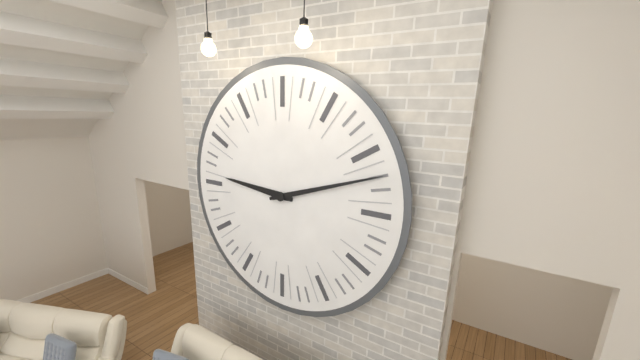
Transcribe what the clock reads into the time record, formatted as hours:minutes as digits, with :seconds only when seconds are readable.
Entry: 9:12
